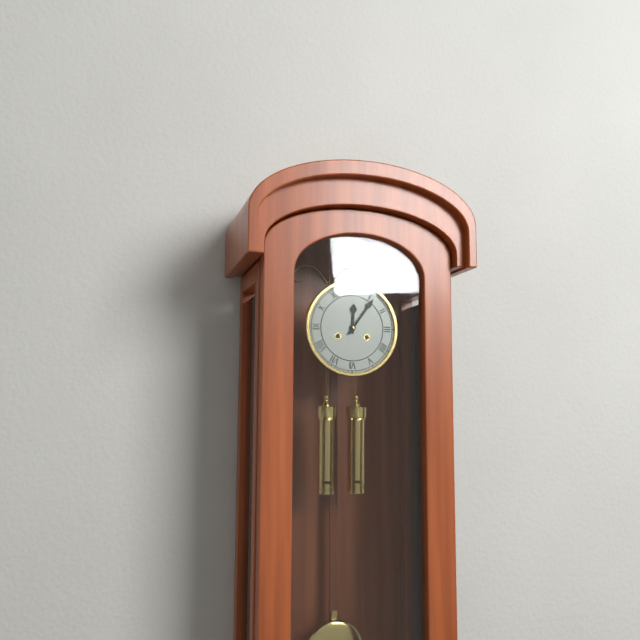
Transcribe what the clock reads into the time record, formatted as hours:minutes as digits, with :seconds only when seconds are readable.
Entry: 12:06
